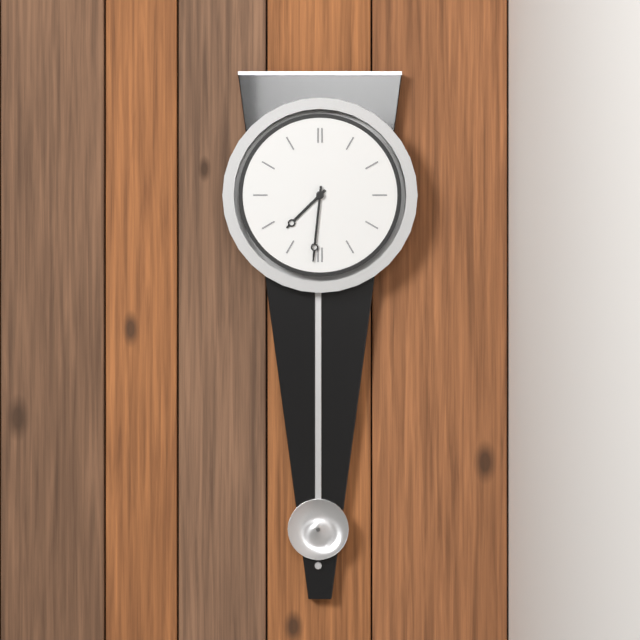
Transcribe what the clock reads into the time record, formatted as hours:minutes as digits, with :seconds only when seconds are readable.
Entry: 7:31
